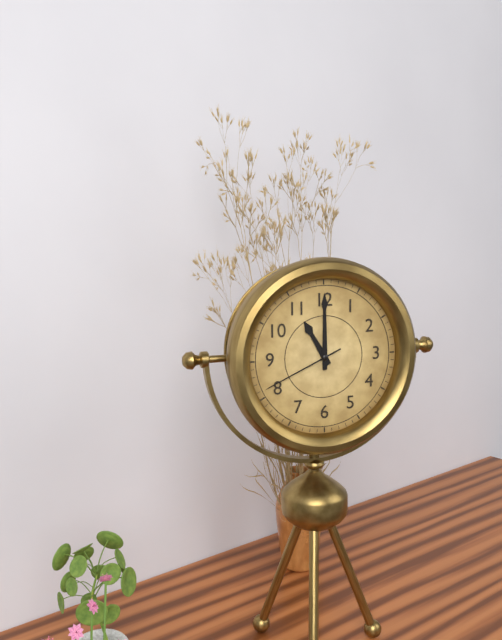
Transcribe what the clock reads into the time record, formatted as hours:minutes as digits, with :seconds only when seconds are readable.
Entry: 11:00:41
